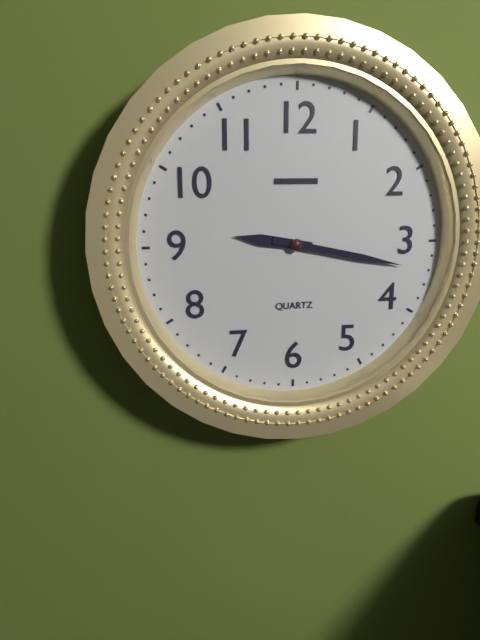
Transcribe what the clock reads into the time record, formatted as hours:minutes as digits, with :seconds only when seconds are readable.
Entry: 9:17
